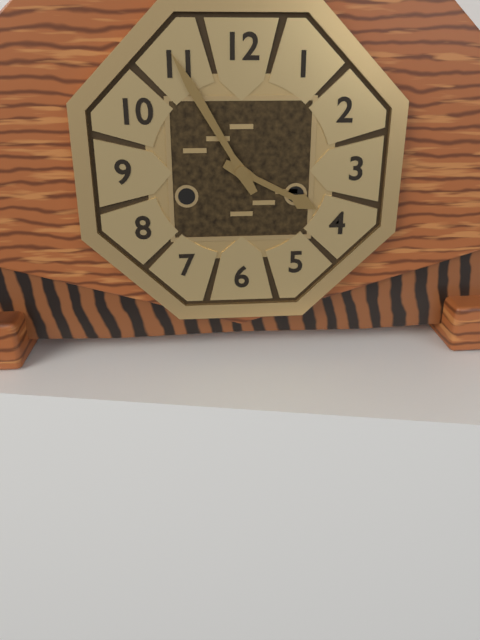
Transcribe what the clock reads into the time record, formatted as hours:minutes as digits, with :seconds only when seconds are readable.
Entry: 3:55
